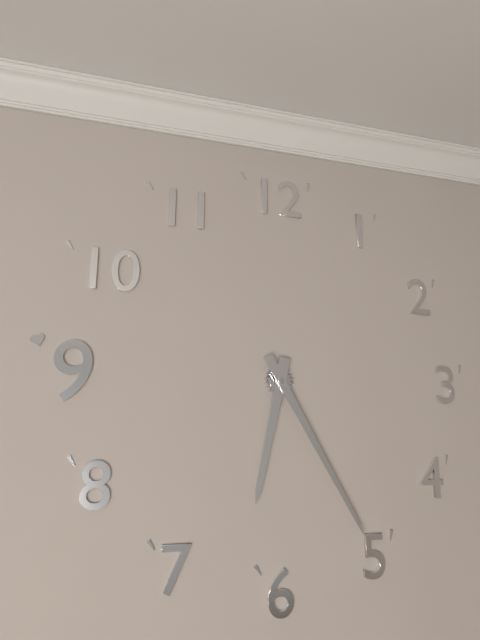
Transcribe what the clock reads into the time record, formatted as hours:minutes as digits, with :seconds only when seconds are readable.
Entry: 6:25
